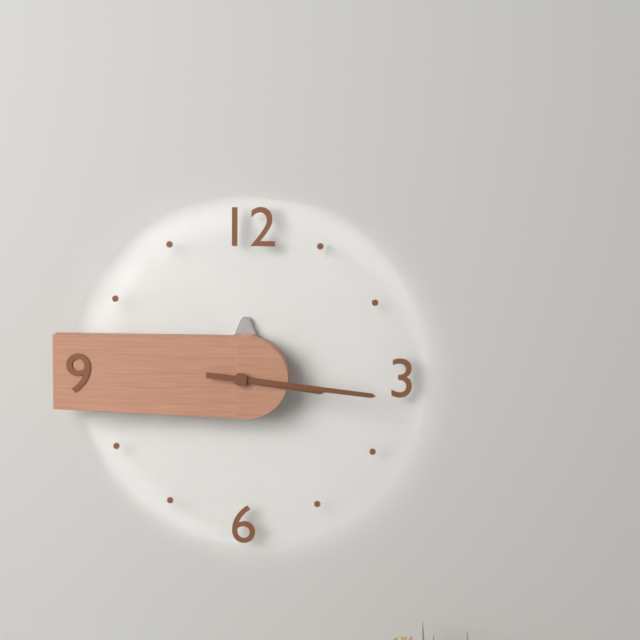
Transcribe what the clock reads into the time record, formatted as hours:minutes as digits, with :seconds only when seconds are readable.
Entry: 3:16
